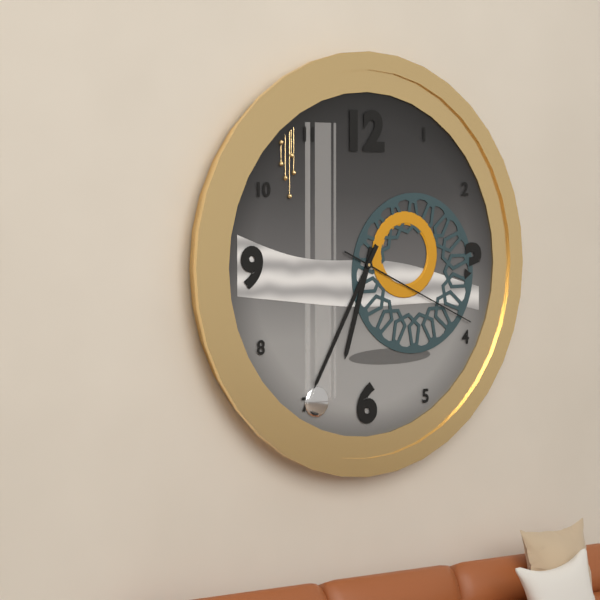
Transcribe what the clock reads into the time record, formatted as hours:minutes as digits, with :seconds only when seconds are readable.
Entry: 6:35:19
